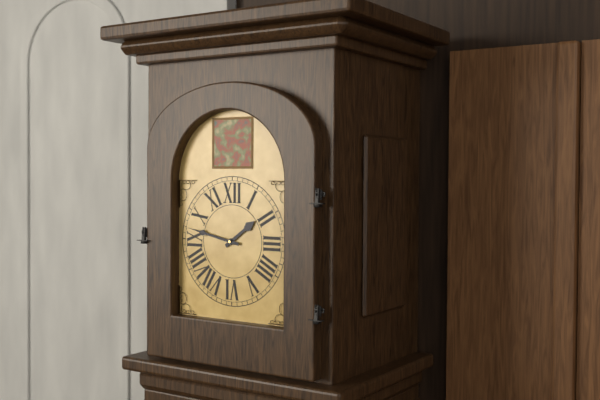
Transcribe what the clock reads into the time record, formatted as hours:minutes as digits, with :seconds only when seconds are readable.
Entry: 1:47
